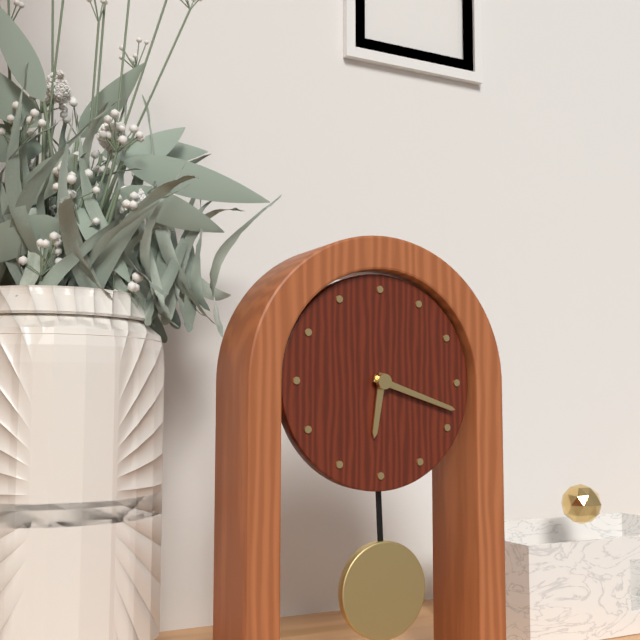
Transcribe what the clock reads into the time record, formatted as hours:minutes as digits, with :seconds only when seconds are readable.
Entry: 6:18
